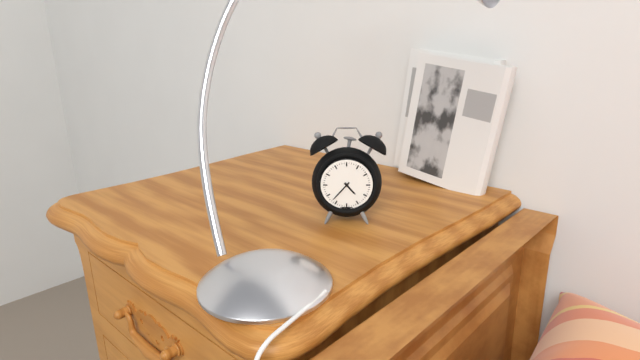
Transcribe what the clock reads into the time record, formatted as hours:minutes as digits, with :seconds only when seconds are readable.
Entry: 4:37
